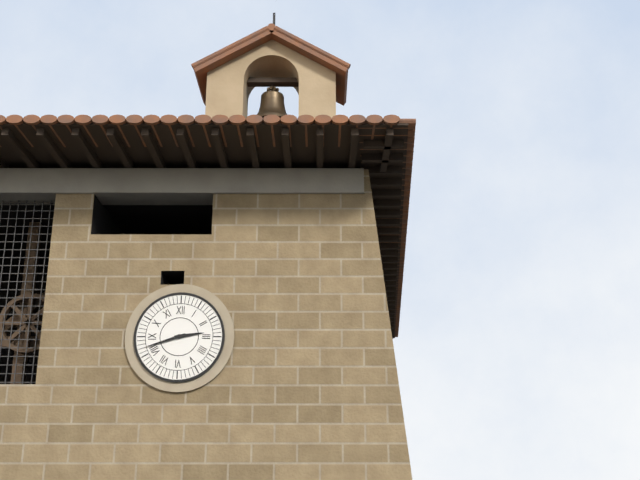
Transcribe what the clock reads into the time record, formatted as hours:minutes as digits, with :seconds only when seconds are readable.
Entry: 2:42
